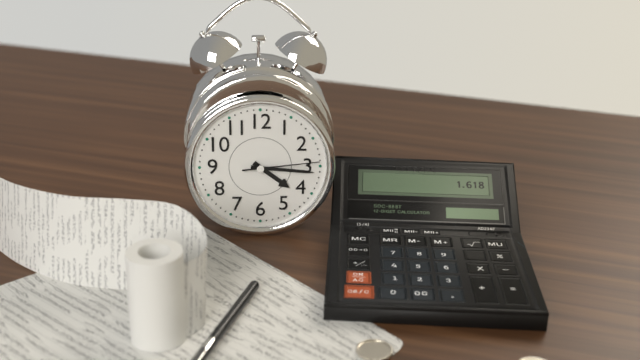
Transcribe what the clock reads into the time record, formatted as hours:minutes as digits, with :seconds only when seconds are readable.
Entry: 4:16:14
